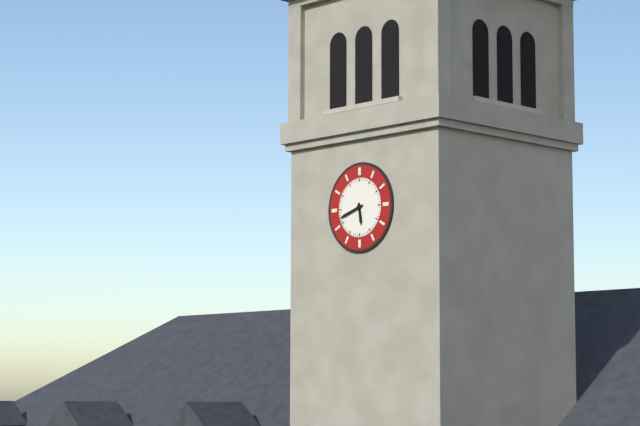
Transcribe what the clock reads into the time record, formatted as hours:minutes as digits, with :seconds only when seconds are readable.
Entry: 5:42
